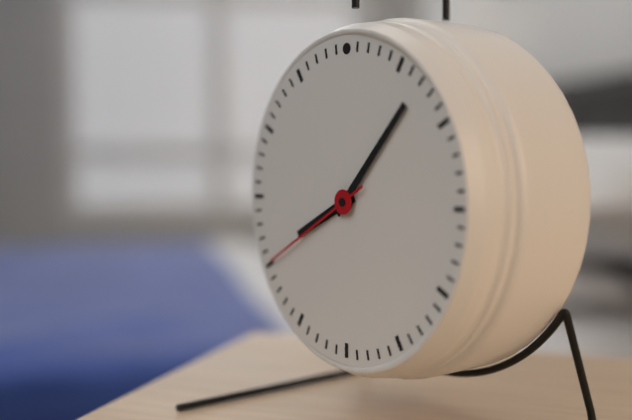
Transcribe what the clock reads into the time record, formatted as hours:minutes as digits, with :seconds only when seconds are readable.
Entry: 8:07:40
